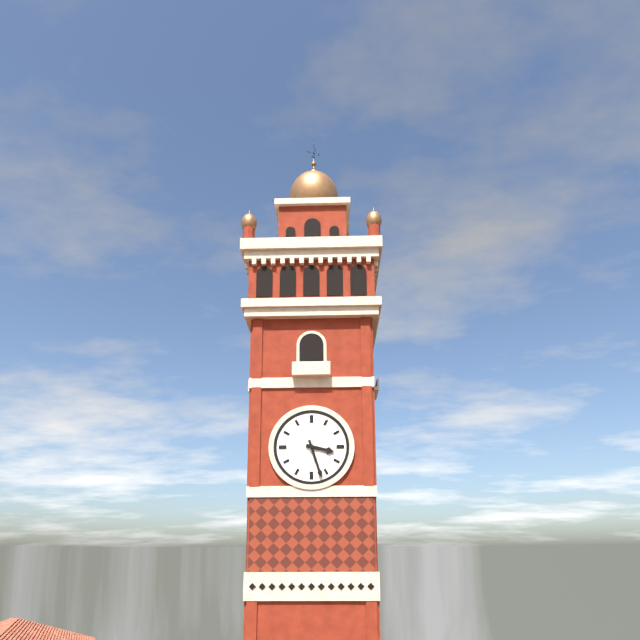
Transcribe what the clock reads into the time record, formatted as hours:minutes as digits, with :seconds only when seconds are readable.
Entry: 3:27
